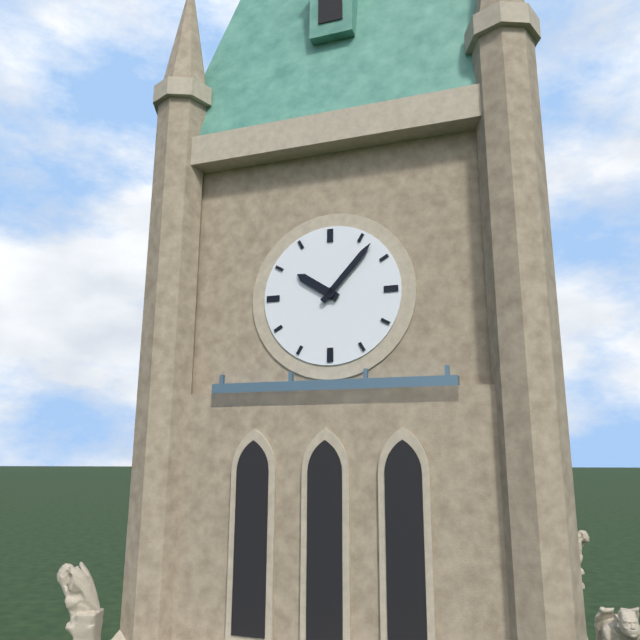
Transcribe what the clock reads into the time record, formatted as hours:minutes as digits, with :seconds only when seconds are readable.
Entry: 10:07
